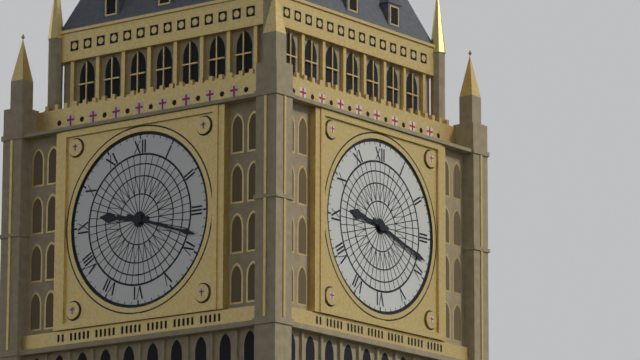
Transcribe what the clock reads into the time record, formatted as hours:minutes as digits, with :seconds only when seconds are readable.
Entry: 9:18
